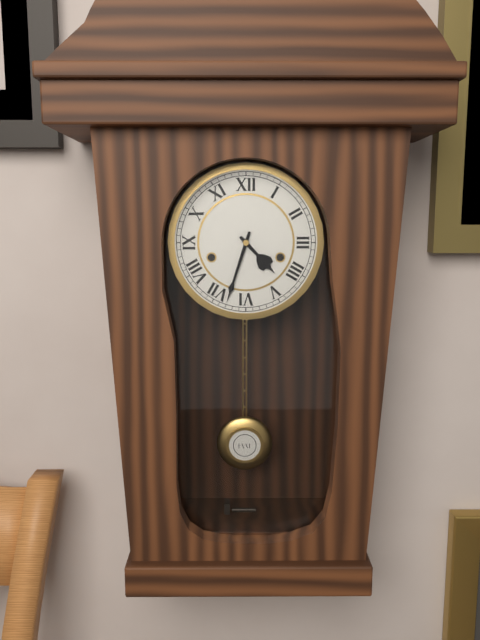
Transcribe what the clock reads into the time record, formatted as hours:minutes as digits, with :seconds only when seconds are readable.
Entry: 4:33
